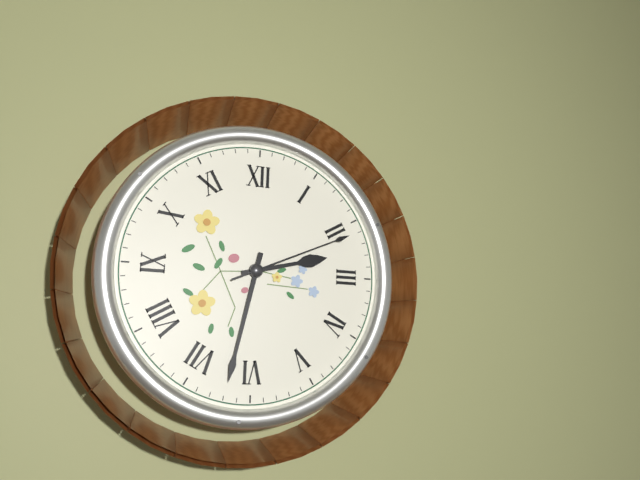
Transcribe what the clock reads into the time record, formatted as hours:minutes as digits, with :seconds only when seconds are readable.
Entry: 2:32:11
